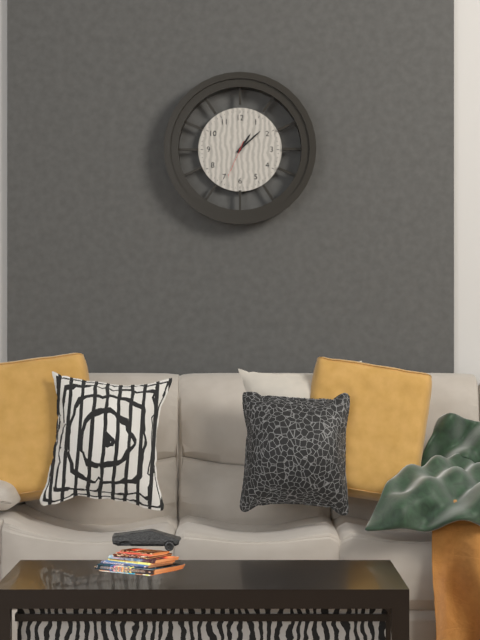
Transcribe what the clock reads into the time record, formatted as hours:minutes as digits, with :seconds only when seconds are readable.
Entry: 1:08
